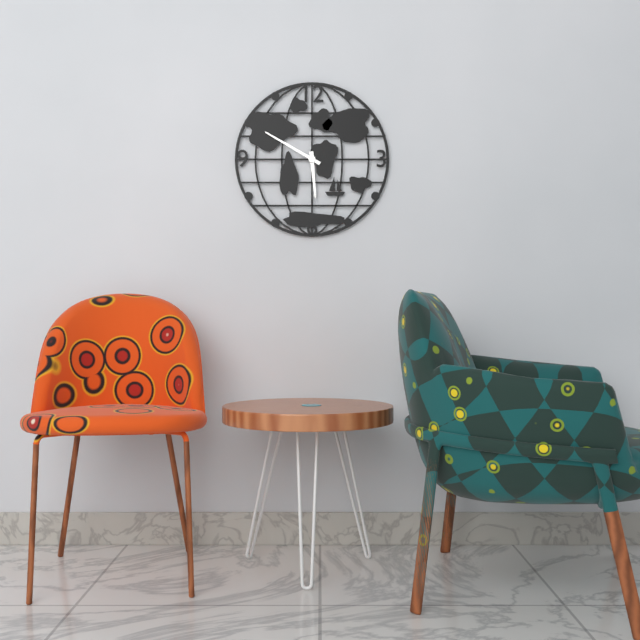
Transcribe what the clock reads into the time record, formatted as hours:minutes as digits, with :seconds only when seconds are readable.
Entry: 5:50
